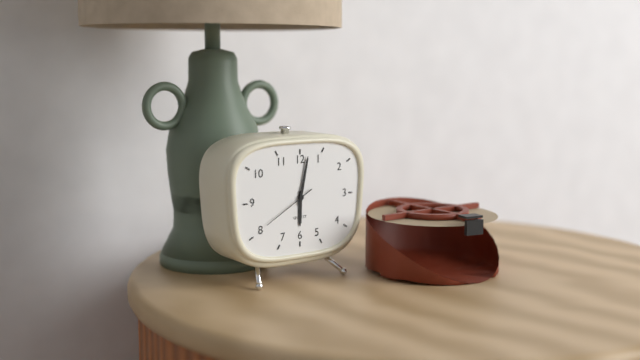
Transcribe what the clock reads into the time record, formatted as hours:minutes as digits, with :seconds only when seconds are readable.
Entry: 6:02:40
